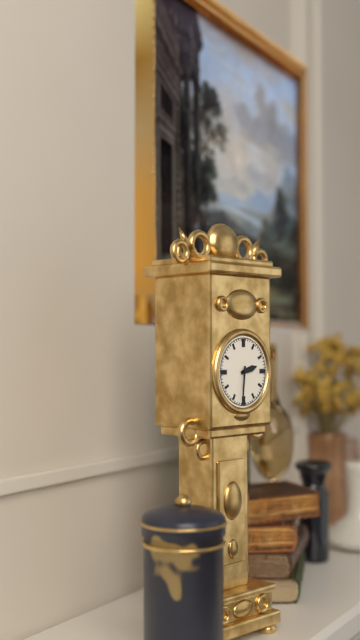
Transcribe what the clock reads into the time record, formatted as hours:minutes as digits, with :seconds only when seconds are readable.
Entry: 2:31
